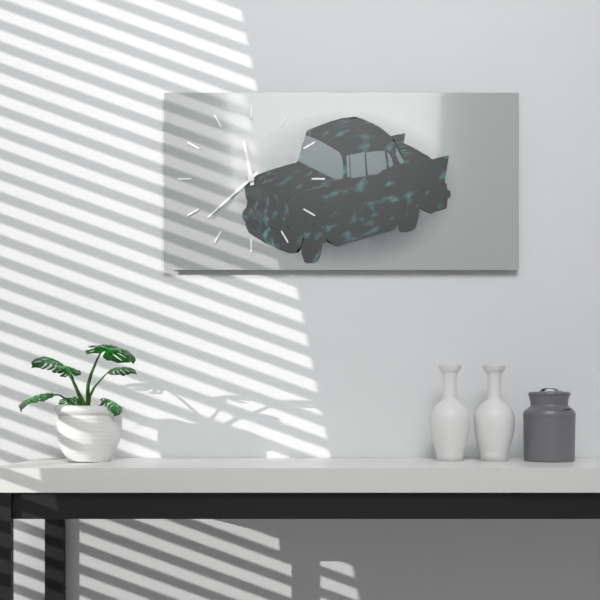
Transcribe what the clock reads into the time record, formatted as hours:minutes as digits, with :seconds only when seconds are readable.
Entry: 11:38
